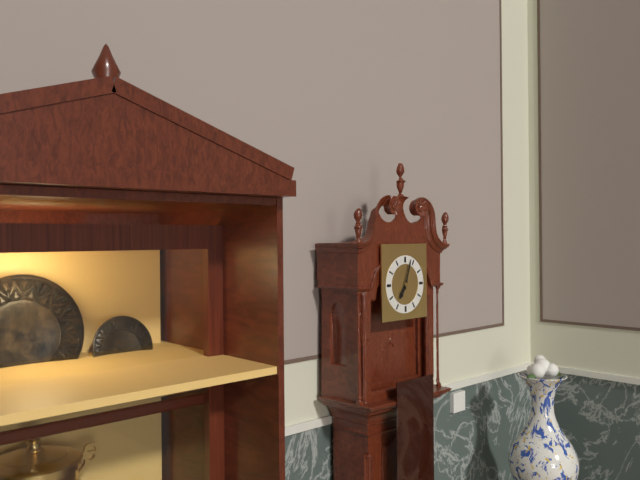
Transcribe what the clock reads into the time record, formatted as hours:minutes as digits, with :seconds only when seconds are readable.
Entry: 7:03
